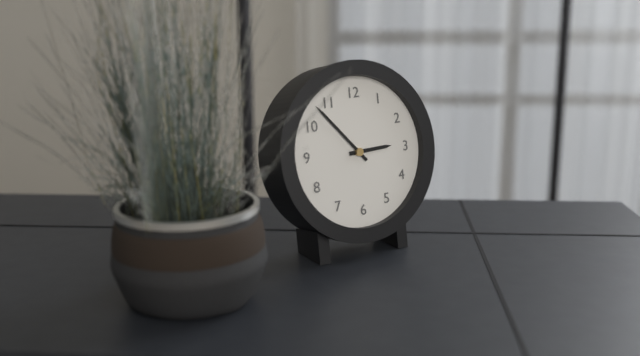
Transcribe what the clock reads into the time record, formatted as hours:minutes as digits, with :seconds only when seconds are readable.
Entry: 2:53
